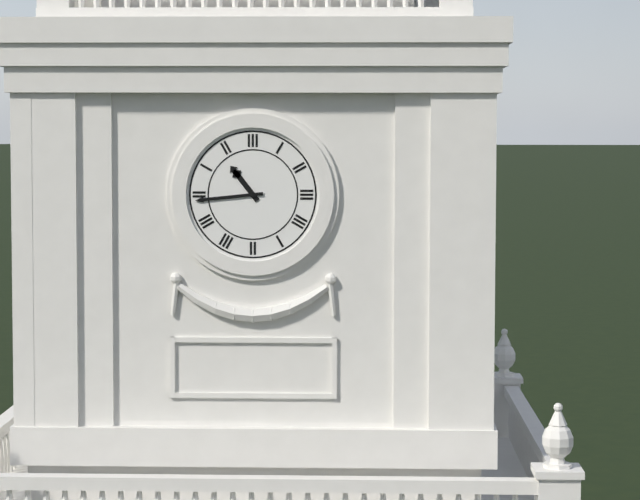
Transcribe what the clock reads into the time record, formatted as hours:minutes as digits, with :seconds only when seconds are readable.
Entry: 10:44
